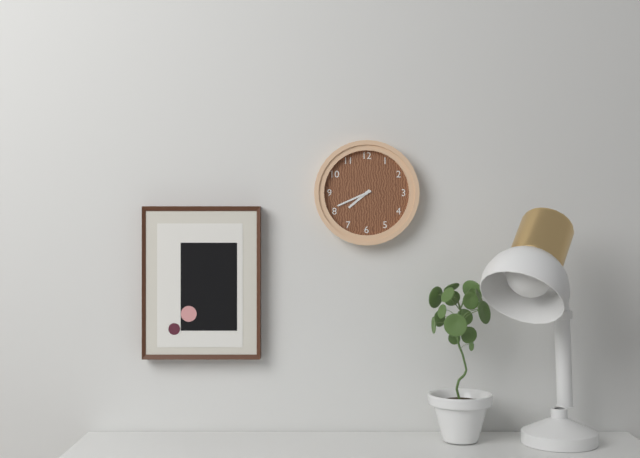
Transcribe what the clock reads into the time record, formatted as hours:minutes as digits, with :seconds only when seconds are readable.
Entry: 7:41
